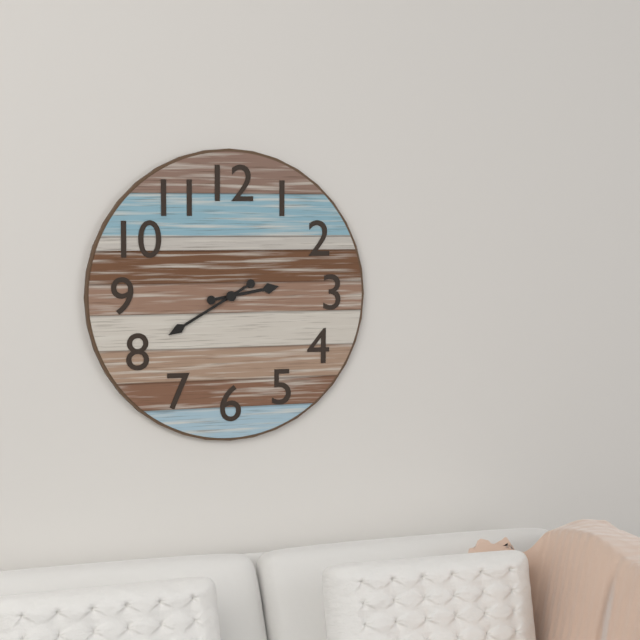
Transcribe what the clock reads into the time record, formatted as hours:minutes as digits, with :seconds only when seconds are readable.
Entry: 2:40
